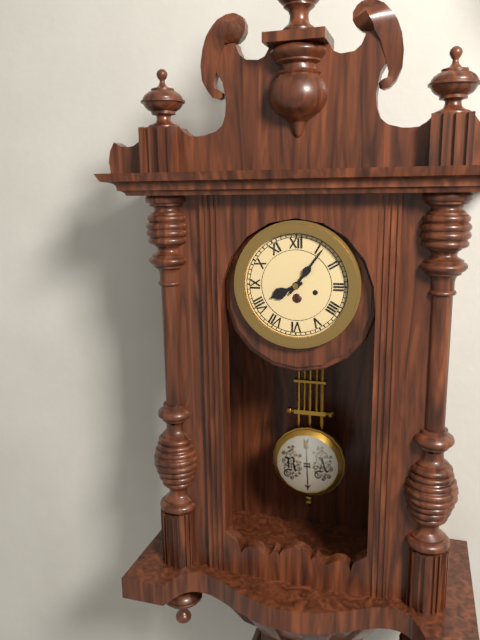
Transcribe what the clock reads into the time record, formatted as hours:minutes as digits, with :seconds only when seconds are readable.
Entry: 8:06
